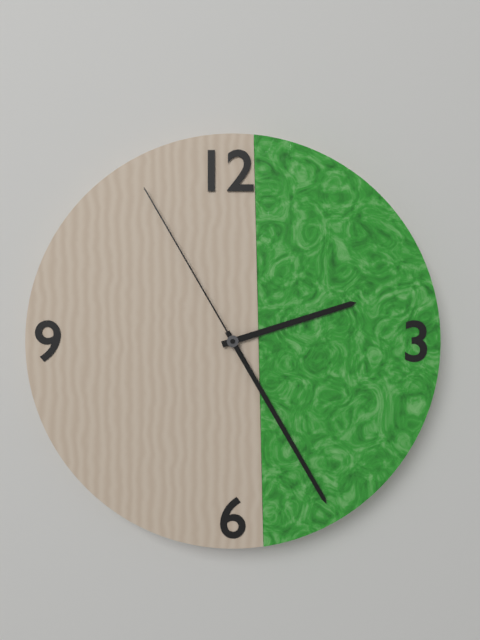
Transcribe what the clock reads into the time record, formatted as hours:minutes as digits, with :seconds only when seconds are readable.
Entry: 2:25:55
